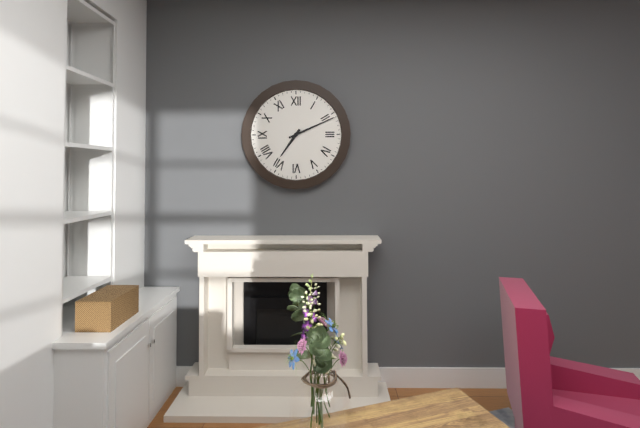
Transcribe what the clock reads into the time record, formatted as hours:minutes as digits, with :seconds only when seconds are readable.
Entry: 7:11
